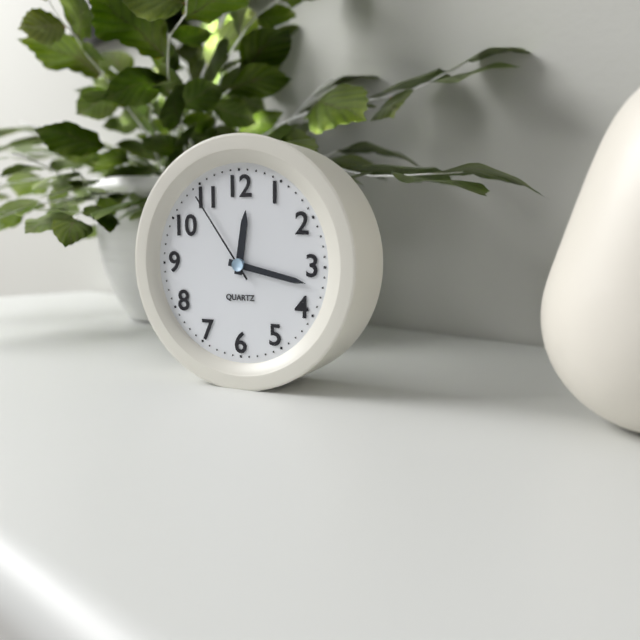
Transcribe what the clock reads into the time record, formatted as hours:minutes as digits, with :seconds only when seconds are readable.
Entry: 12:17:54
